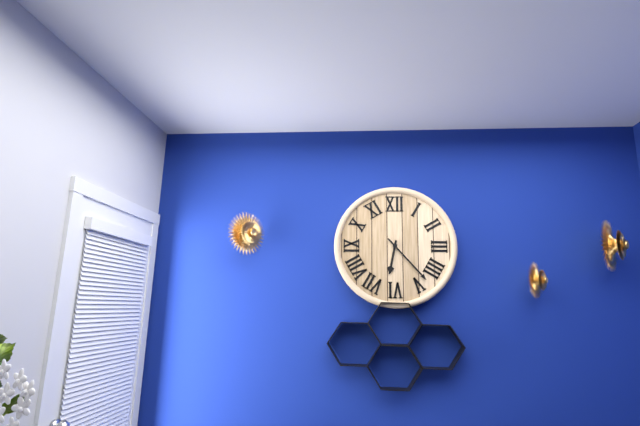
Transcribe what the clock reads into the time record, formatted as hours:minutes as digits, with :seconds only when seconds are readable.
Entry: 6:23
